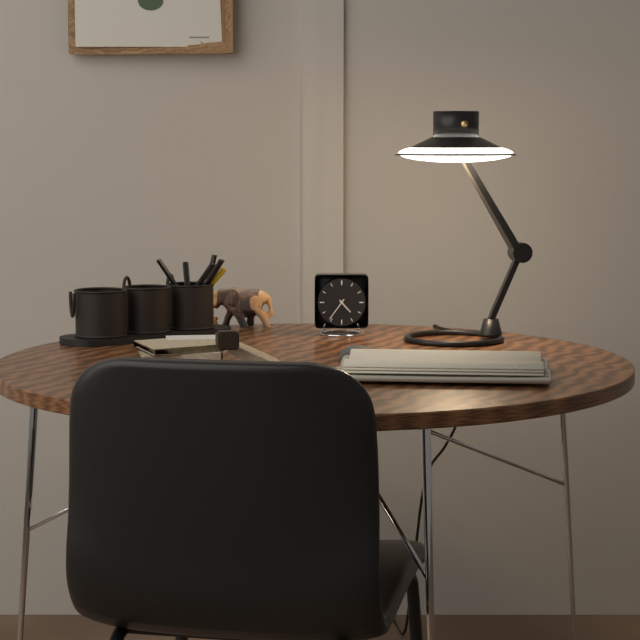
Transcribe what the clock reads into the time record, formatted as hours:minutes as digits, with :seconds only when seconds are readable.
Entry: 4:36
